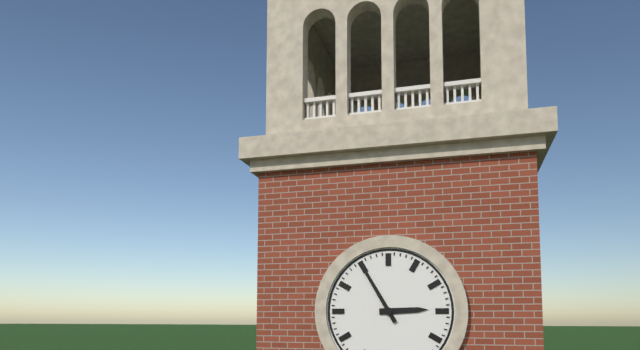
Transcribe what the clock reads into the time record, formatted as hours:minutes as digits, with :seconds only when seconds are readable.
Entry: 2:55
